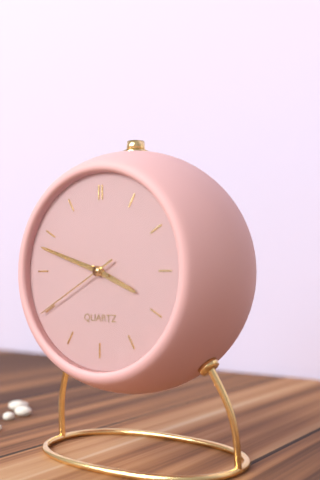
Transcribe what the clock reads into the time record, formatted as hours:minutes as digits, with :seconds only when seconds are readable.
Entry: 3:48:40
